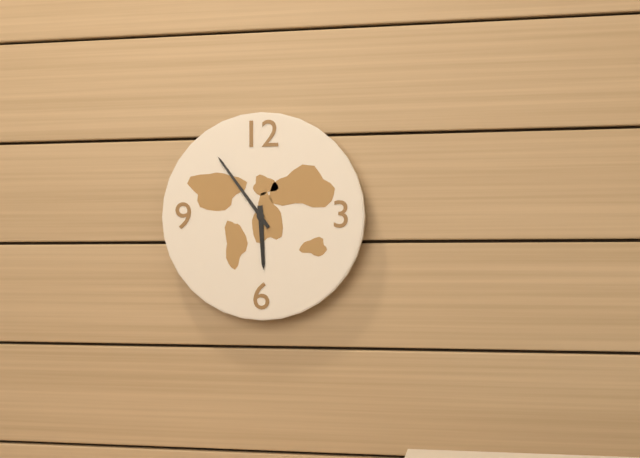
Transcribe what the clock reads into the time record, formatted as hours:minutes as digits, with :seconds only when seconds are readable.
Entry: 5:54
